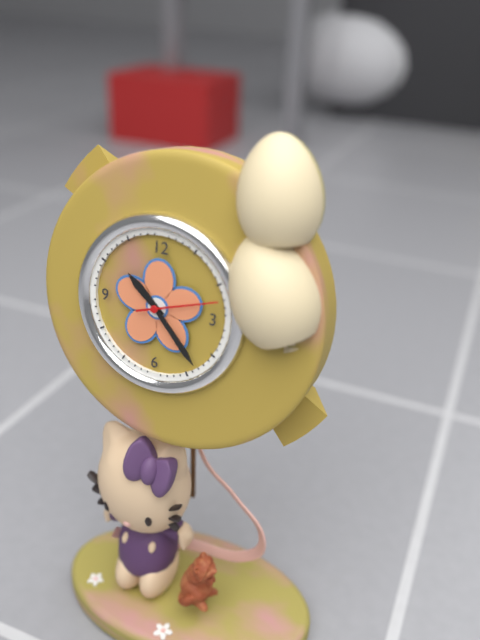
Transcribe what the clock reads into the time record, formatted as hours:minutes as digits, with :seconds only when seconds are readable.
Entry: 10:23:12
